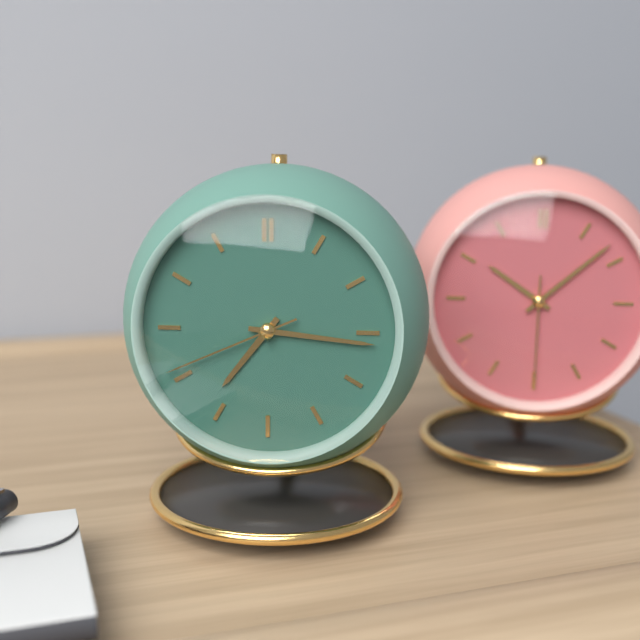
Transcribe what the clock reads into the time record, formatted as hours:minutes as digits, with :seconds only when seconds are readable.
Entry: 7:16:41
